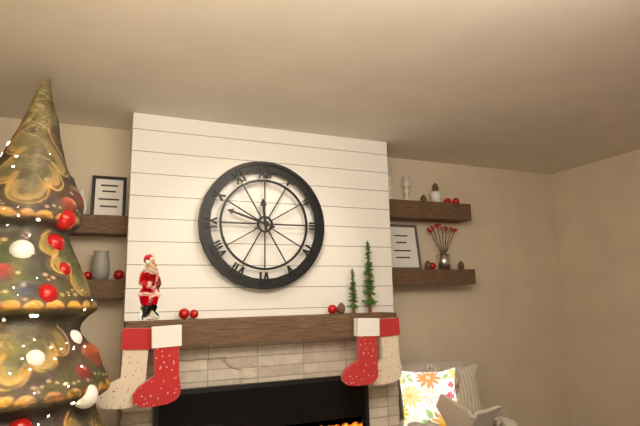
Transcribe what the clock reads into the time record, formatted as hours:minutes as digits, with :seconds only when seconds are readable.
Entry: 11:48
